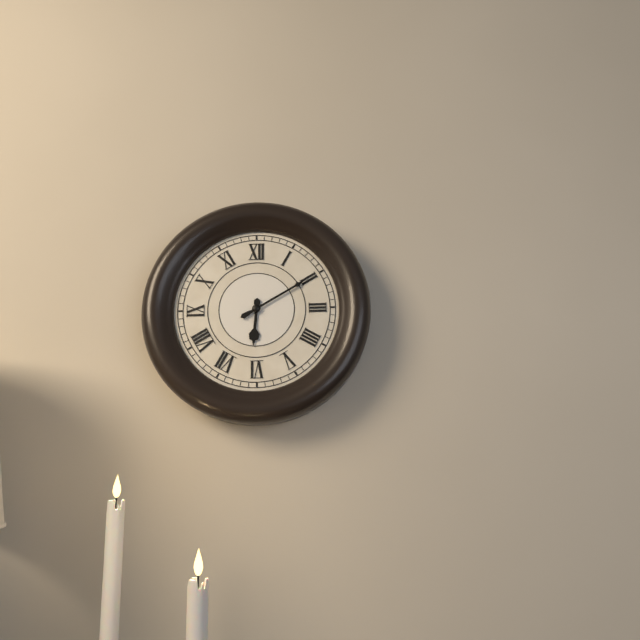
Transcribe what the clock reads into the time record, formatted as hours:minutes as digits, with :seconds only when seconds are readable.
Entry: 6:10
